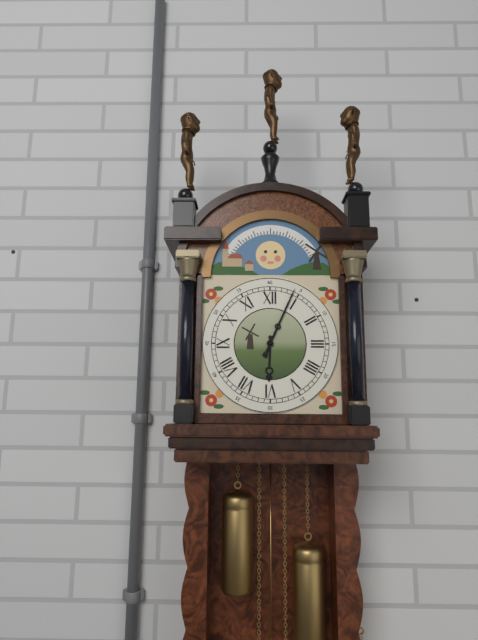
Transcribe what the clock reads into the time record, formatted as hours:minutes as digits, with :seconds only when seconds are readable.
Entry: 6:04
